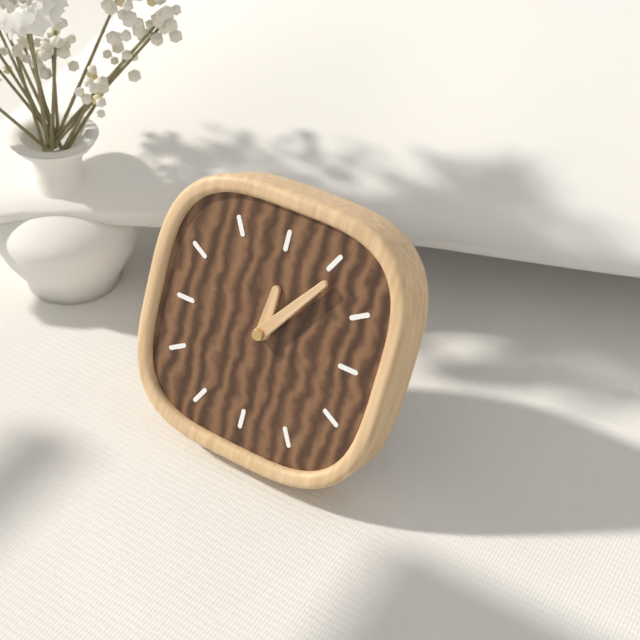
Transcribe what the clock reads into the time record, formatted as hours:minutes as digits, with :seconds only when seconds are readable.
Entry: 12:06
